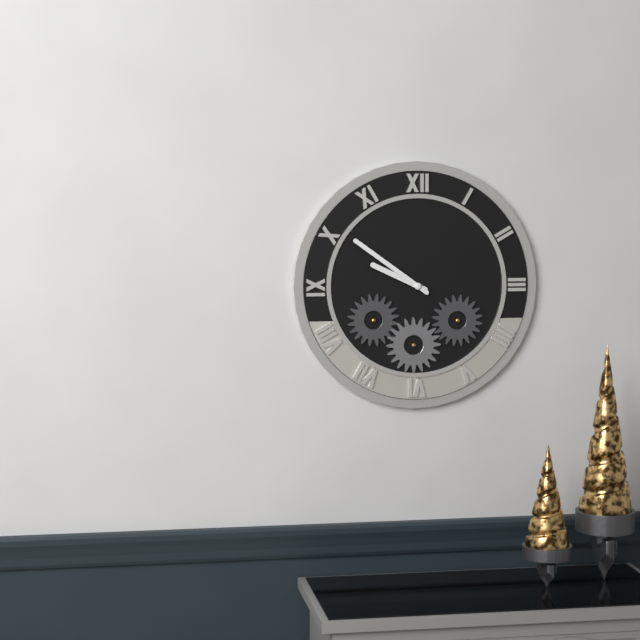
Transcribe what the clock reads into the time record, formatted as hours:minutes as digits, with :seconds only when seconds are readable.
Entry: 9:51
